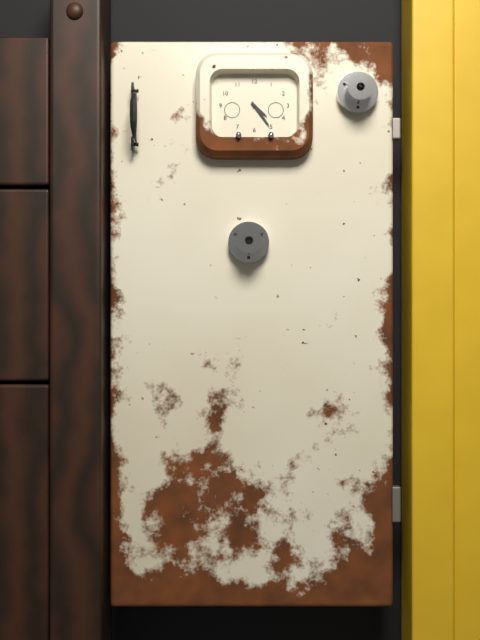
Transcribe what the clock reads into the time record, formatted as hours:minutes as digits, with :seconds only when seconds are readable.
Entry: 4:24
